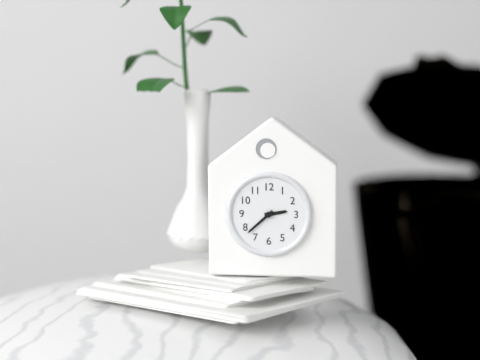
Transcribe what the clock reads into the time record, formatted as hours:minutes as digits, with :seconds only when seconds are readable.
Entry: 2:38
